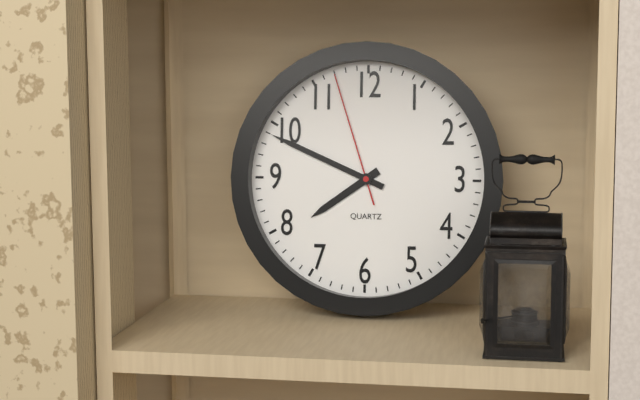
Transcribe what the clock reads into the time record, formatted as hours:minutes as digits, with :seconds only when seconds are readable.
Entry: 7:49:57
